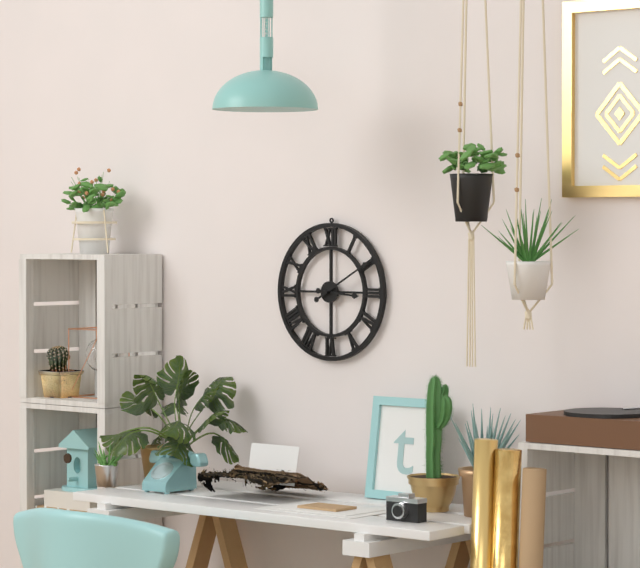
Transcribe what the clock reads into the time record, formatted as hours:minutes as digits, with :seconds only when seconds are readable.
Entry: 3:10
